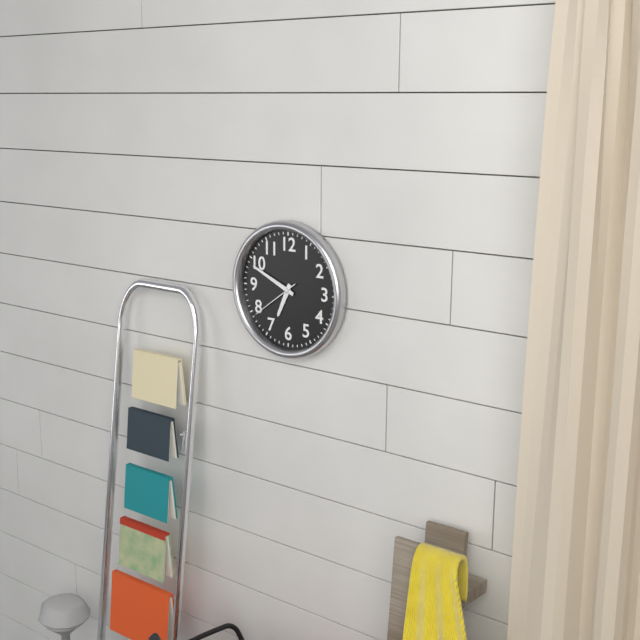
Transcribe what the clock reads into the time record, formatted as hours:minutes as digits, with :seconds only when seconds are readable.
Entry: 6:49
